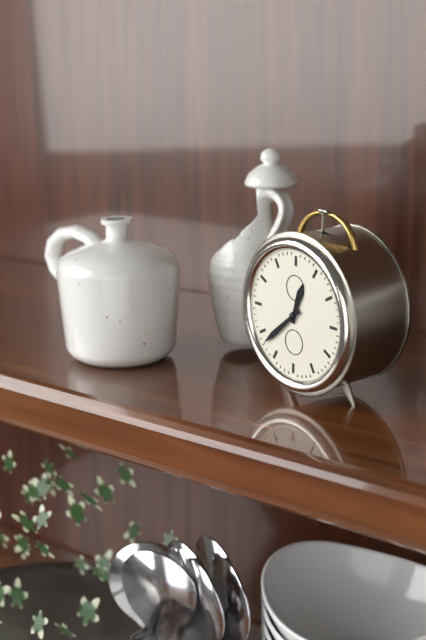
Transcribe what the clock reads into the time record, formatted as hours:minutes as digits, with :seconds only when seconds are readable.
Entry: 12:38
